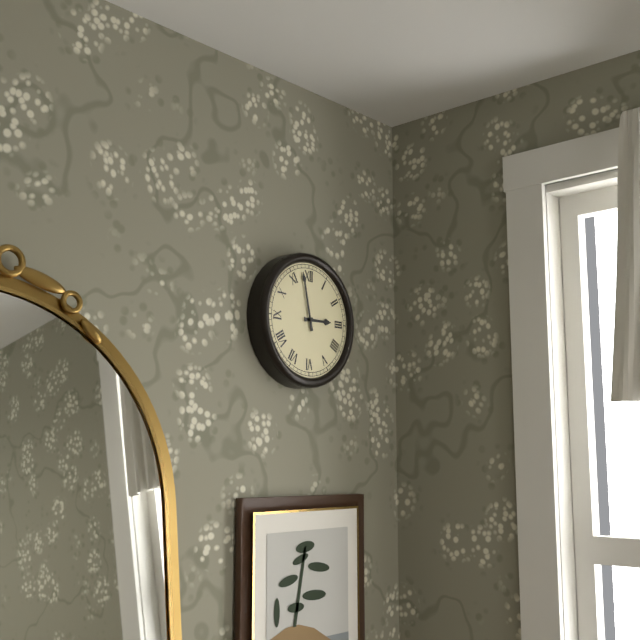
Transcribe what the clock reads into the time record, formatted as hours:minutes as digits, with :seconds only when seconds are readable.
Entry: 2:58
